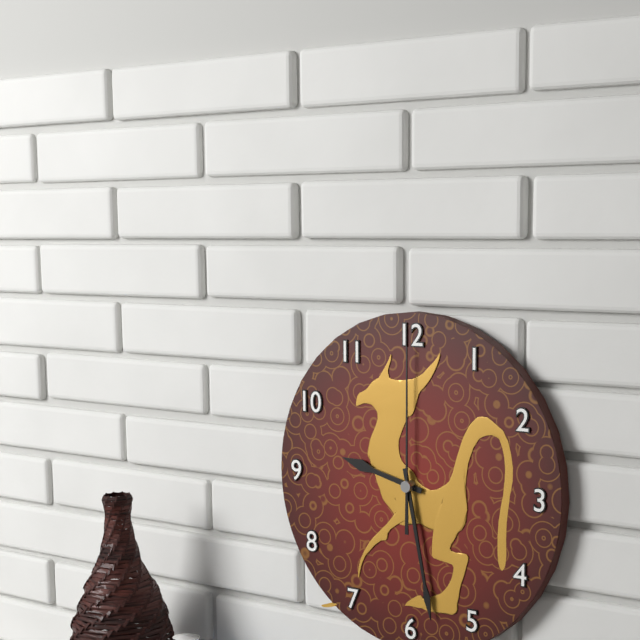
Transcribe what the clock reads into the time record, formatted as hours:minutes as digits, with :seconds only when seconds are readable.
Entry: 9:28:00
